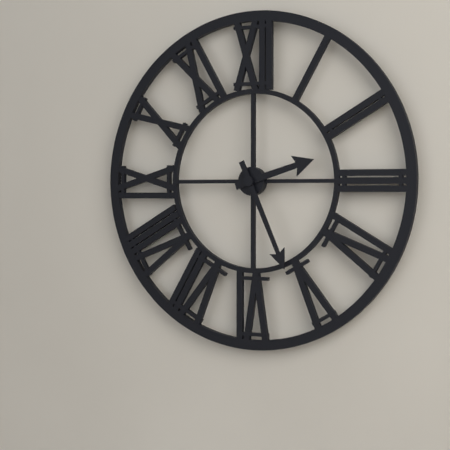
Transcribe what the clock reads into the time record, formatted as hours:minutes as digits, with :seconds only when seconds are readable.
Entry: 2:26
